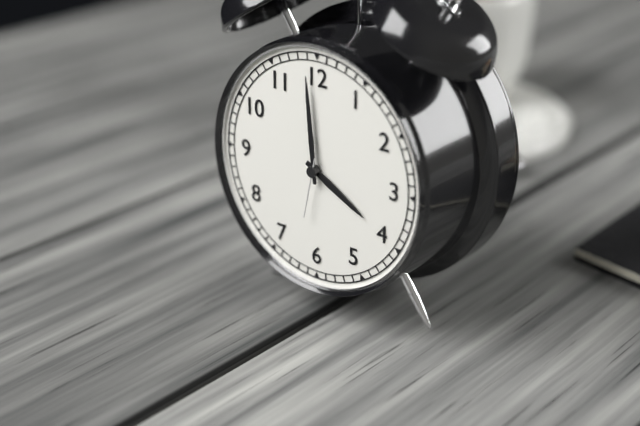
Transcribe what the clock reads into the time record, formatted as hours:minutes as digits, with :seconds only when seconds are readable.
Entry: 3:59:32
